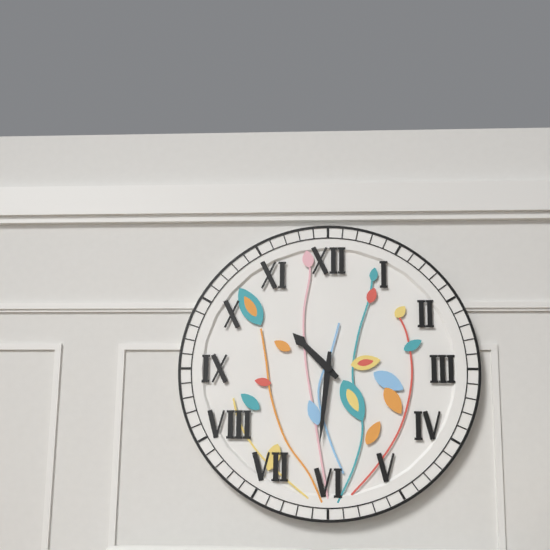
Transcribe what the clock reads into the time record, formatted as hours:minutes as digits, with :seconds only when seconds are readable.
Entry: 10:31
